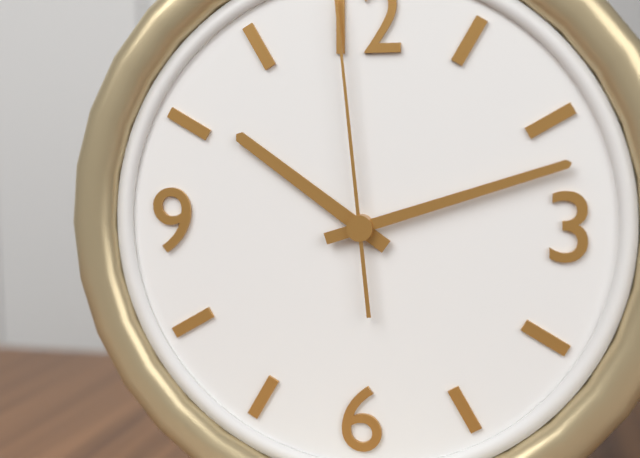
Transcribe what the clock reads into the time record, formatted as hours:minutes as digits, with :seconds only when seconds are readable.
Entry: 10:12
